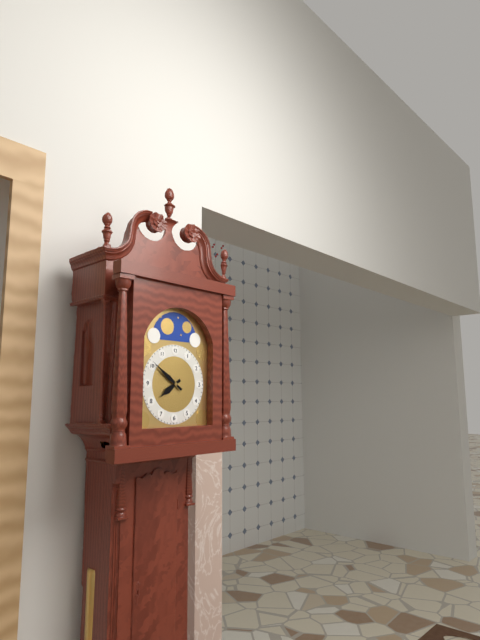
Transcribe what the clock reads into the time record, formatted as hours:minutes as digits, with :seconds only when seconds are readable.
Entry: 7:51
